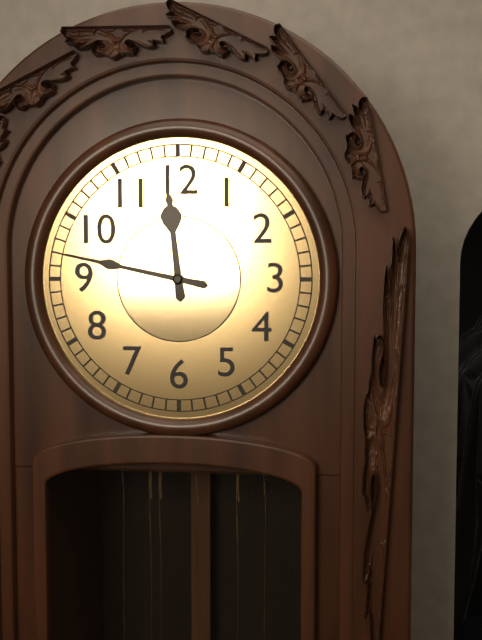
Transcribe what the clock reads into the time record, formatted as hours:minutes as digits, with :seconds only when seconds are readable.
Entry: 11:47
